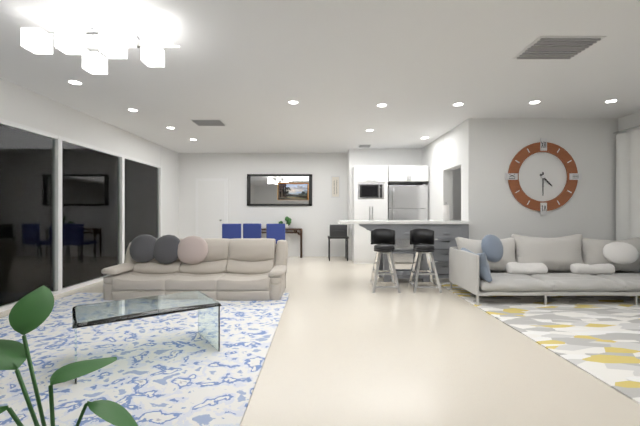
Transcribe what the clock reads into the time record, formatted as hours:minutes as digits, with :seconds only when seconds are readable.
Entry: 4:30
